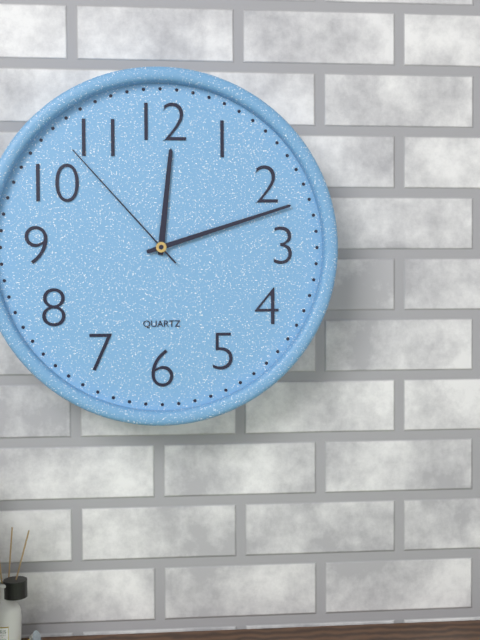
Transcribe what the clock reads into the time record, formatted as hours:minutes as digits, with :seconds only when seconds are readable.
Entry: 12:12:53
